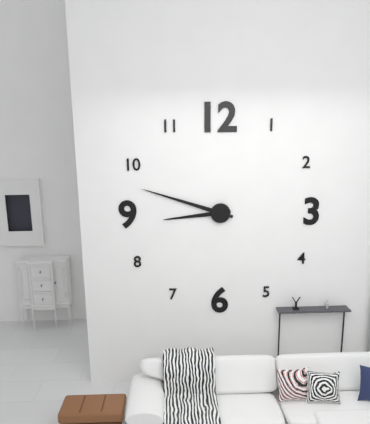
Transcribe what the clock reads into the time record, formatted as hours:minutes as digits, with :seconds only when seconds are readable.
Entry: 8:48
